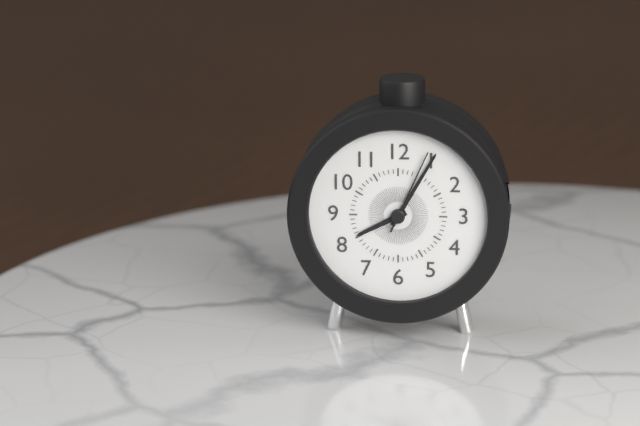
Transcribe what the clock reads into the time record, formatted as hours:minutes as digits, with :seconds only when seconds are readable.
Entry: 8:05:04
